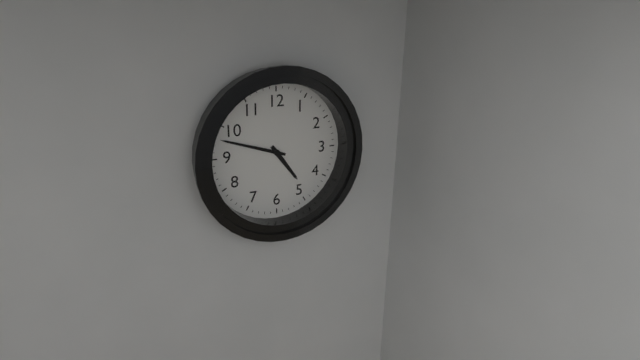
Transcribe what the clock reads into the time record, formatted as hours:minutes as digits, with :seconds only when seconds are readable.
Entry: 4:48
